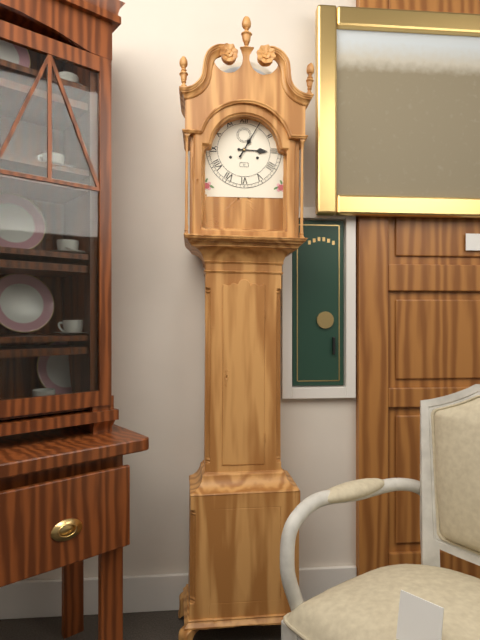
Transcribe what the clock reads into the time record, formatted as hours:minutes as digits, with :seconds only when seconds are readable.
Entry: 3:05
